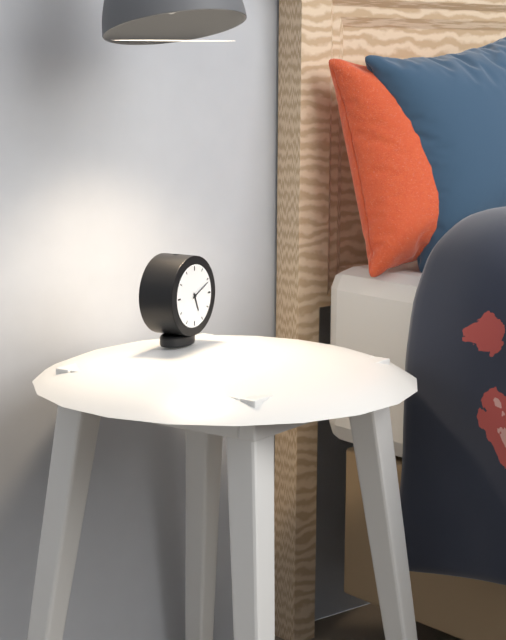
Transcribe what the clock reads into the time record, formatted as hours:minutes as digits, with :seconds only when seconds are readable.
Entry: 5:11
